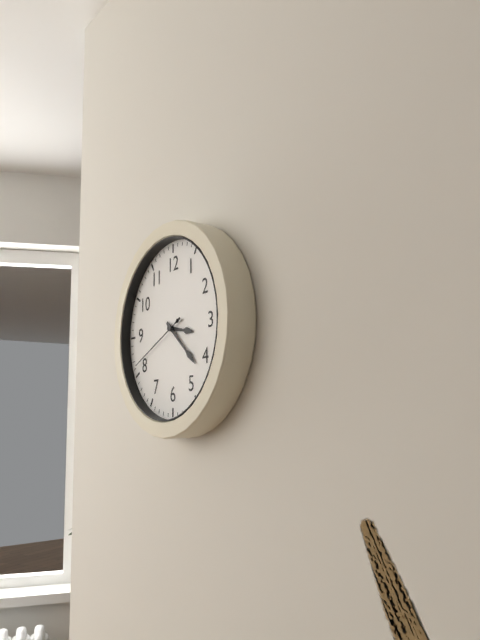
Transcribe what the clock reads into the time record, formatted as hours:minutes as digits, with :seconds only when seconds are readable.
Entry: 3:22:41
